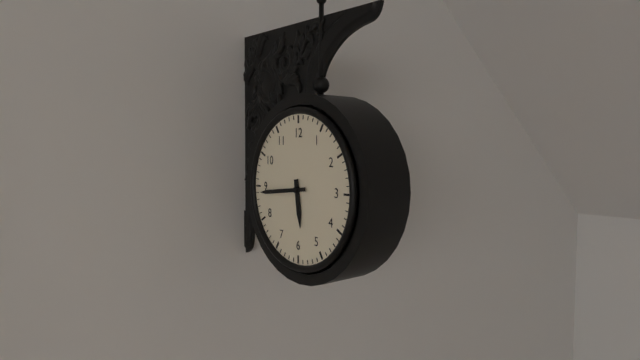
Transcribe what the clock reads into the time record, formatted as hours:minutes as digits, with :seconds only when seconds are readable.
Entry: 5:44
